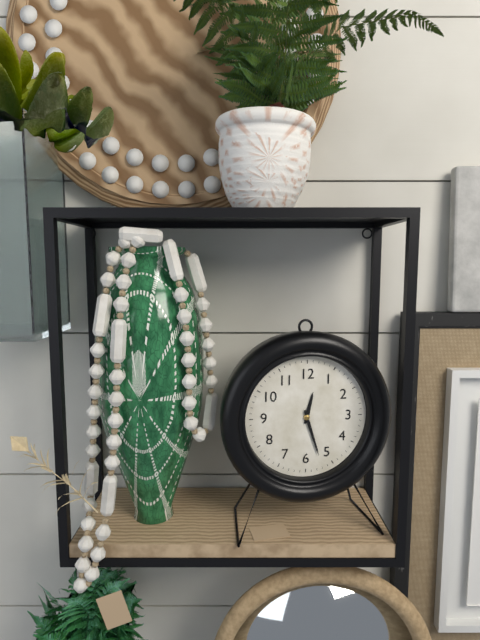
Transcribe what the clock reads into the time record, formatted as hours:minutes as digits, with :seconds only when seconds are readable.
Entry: 12:27
